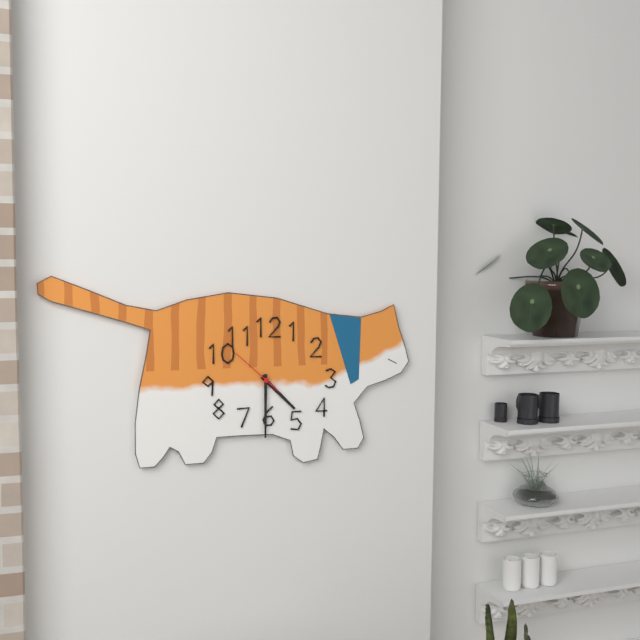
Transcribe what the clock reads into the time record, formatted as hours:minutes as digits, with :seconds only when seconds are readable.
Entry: 4:30:52
